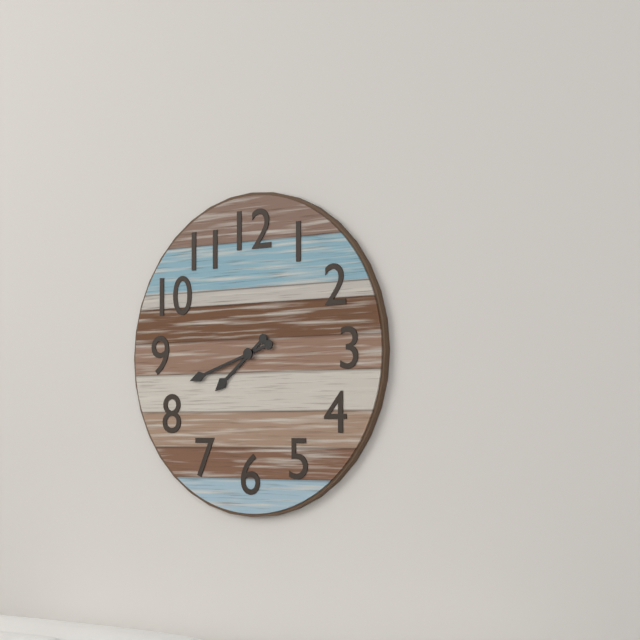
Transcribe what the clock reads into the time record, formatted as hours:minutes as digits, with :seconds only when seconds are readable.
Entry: 7:42
